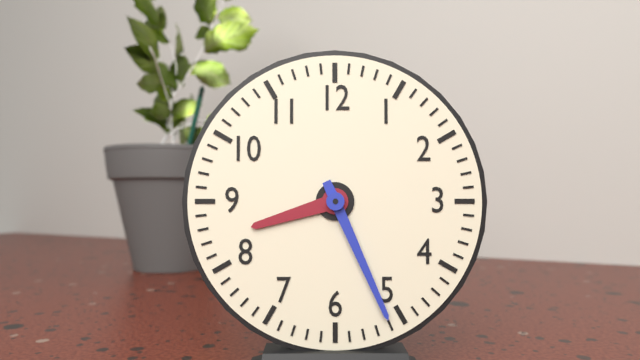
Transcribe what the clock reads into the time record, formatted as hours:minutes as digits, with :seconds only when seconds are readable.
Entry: 8:26
